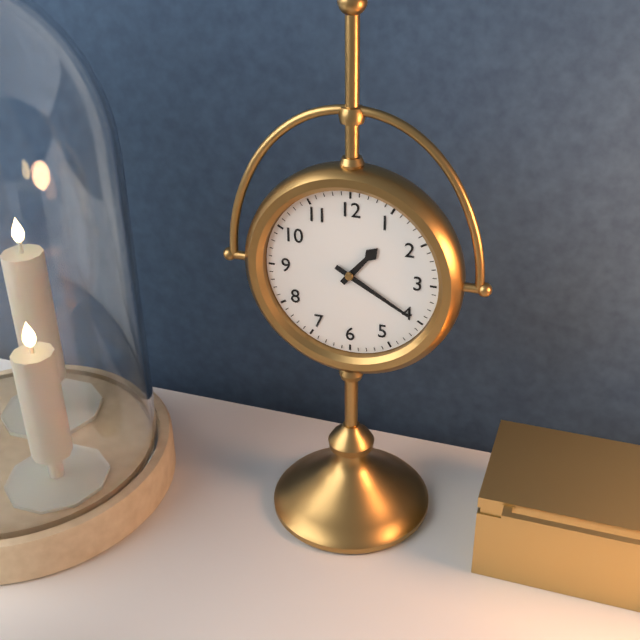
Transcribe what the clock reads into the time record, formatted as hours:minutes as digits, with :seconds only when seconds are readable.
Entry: 1:20
